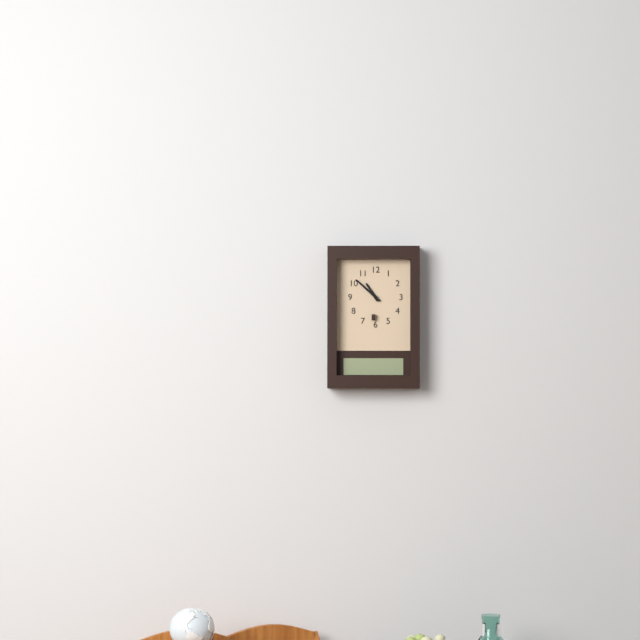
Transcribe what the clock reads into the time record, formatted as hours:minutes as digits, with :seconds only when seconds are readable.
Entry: 10:52
